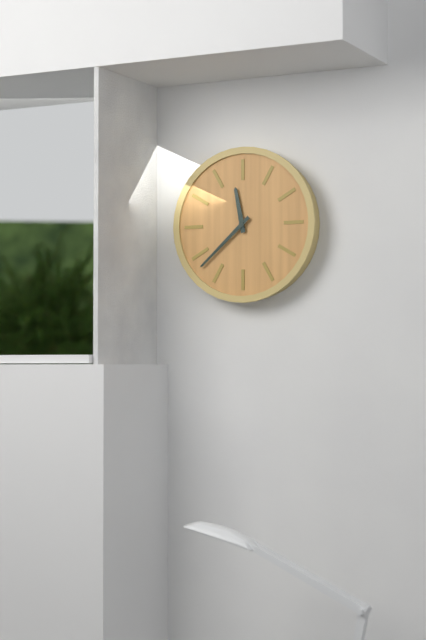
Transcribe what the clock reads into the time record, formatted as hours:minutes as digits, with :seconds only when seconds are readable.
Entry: 11:38
